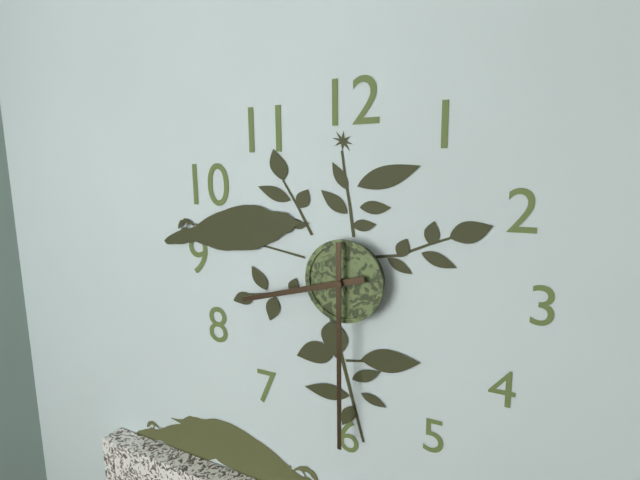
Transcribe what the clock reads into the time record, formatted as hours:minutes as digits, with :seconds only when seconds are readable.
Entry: 8:30
